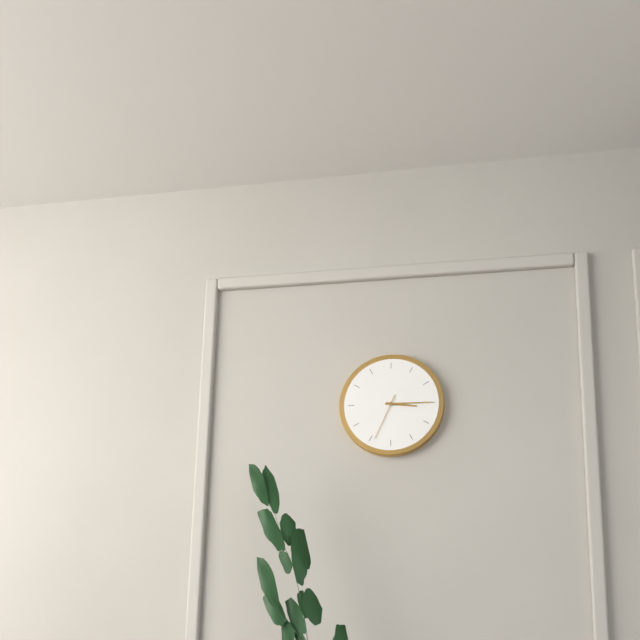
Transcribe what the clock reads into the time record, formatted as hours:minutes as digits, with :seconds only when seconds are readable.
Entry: 3:15
